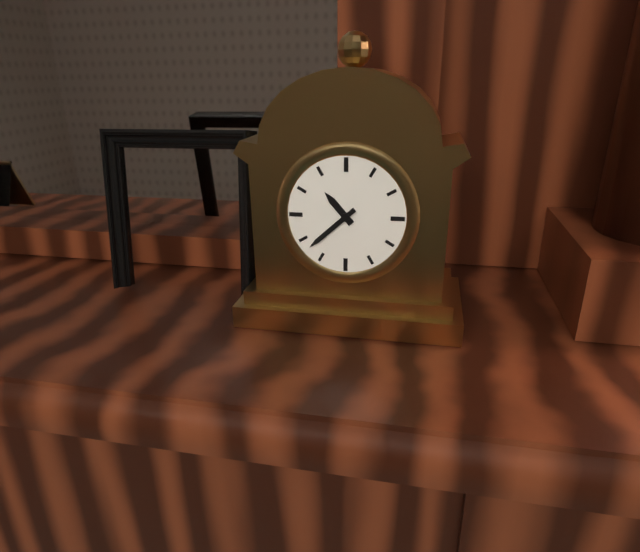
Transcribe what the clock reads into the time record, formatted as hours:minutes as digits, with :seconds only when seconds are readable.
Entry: 10:38
